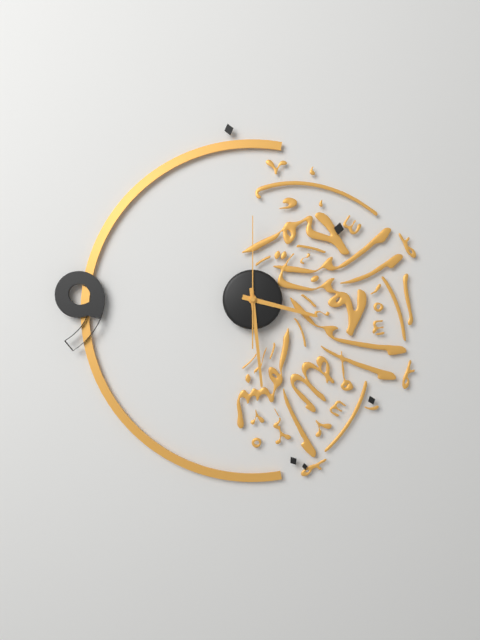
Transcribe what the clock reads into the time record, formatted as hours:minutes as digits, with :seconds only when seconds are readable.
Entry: 3:29:00
